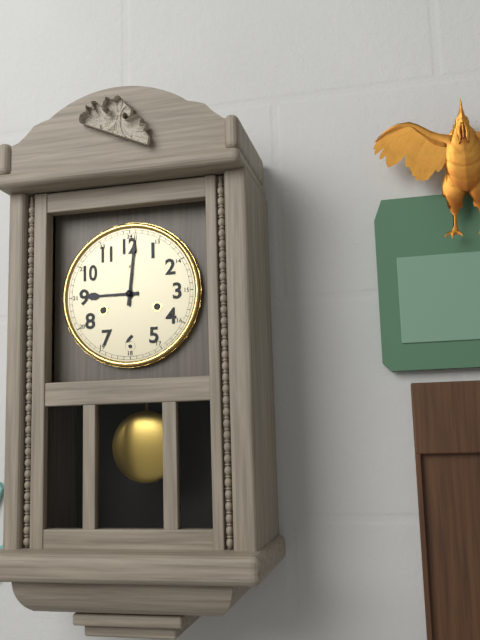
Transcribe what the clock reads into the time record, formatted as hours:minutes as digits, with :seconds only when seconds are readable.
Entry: 9:01
